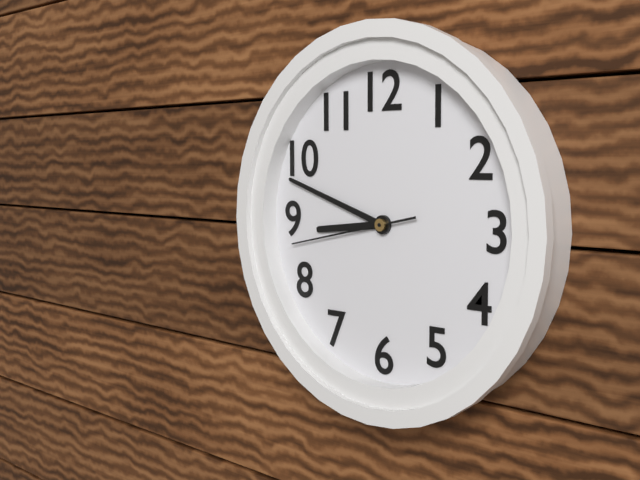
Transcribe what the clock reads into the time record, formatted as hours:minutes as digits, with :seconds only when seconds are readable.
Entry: 8:48:43
